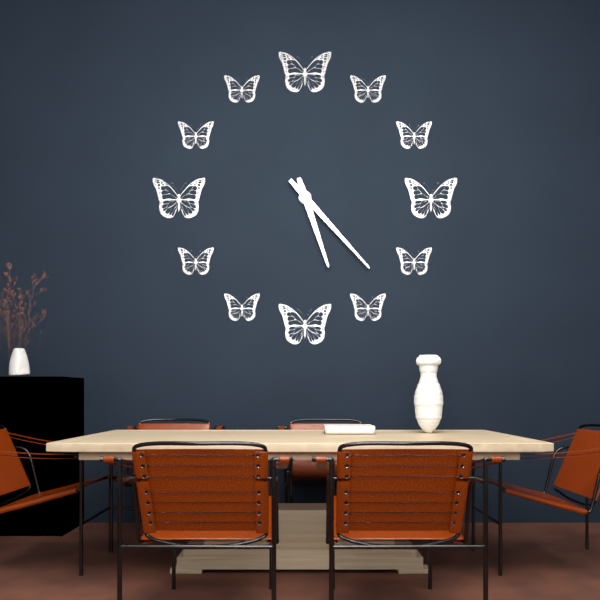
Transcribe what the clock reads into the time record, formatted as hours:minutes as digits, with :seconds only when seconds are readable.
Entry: 5:23
